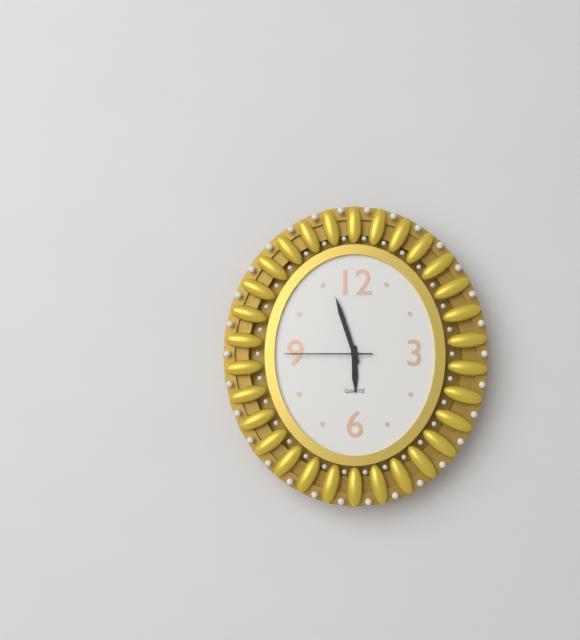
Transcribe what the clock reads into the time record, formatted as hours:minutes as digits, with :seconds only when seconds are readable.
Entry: 5:57:45
